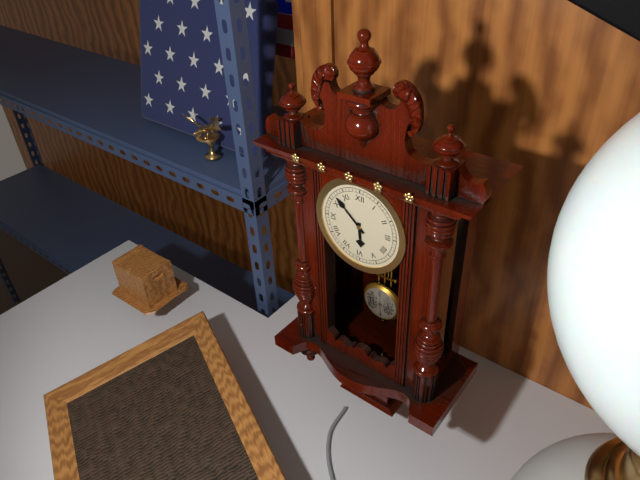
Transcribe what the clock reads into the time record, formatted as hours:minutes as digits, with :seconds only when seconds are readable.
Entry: 5:52
